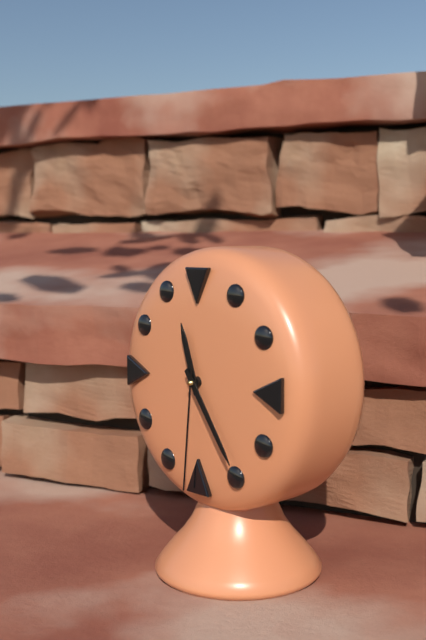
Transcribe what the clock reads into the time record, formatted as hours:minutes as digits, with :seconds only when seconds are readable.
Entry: 11:24:31
